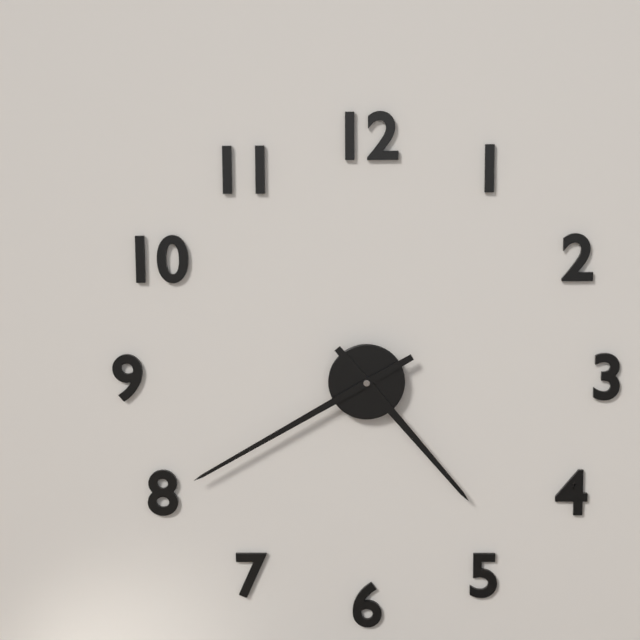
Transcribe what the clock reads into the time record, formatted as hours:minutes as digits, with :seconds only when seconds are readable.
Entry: 4:40
